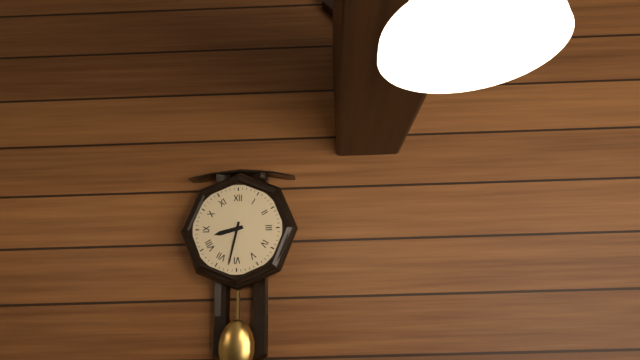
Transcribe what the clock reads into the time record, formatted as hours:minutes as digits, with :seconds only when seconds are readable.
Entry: 8:32
